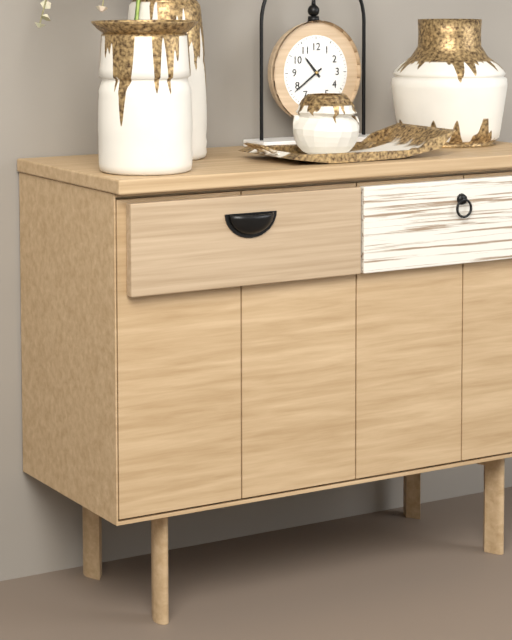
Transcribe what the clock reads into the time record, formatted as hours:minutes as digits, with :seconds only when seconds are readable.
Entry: 10:39
